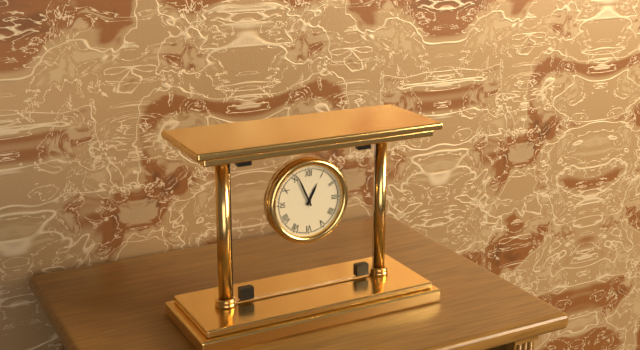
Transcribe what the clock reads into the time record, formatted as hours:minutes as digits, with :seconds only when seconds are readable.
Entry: 12:56
